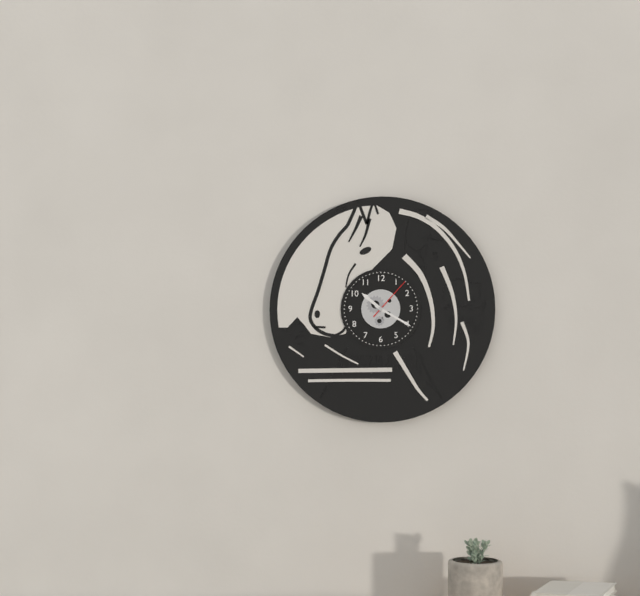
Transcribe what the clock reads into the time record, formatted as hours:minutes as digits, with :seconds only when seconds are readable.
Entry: 10:20
